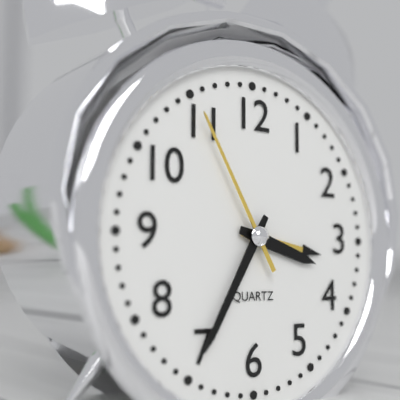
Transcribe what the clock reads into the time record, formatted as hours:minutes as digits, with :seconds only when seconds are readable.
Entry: 3:35:55
